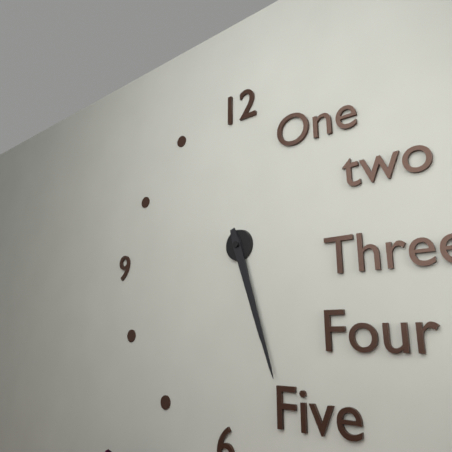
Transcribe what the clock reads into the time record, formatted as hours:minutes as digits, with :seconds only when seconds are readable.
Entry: 5:27
